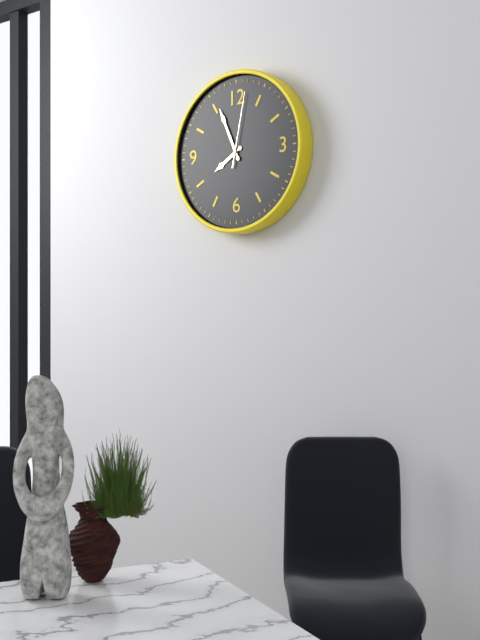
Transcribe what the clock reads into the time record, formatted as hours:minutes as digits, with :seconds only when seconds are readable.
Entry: 7:56:02
